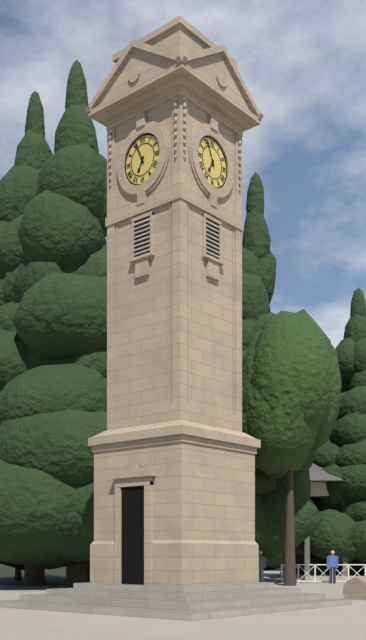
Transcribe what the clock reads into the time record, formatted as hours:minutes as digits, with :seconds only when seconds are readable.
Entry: 6:56
